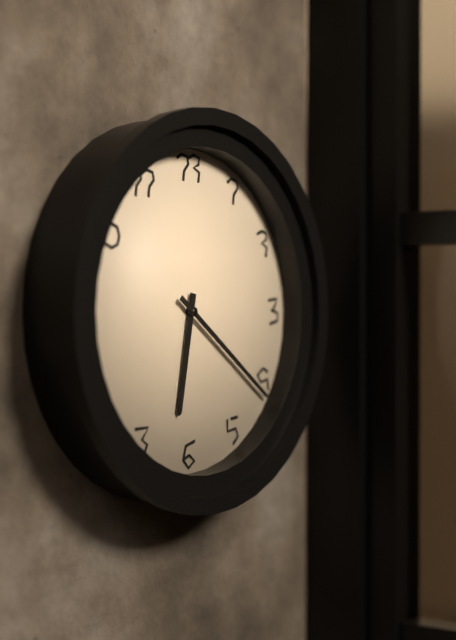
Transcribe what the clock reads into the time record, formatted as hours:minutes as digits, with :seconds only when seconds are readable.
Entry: 6:21
